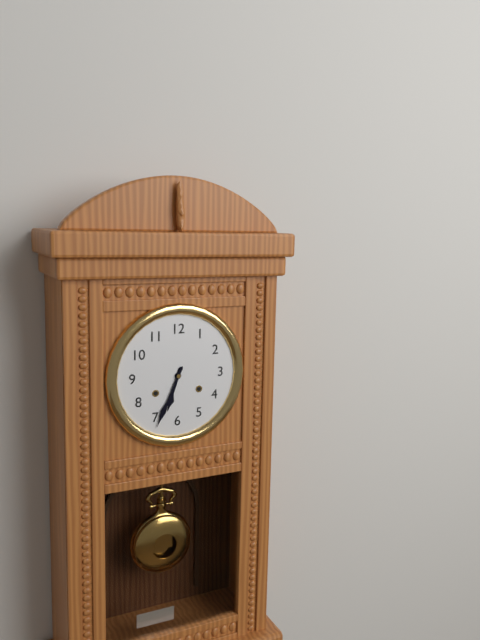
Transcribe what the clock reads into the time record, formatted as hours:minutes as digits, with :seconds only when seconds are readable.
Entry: 6:34
